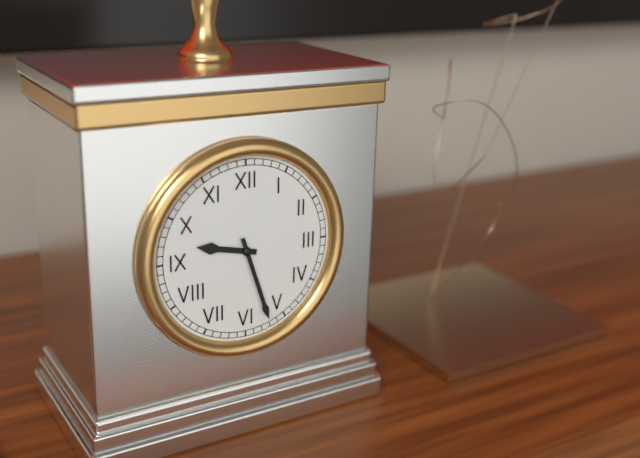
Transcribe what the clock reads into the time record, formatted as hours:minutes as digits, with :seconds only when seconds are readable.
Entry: 9:27
